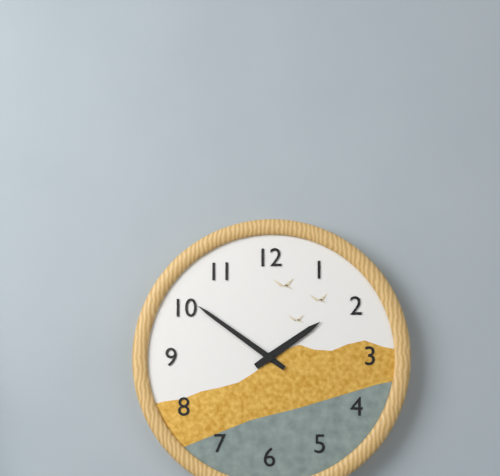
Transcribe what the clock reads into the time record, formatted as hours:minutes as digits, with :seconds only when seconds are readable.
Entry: 1:51
